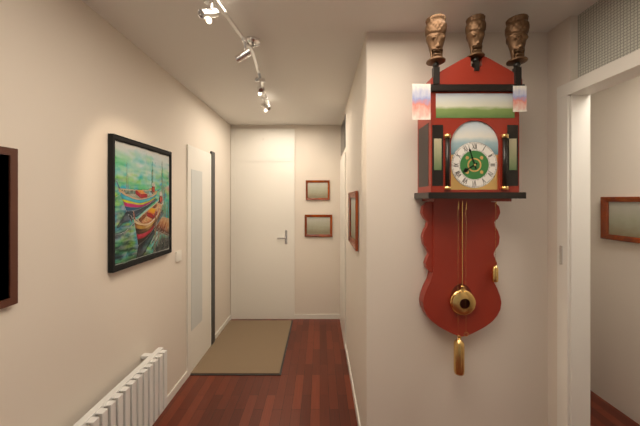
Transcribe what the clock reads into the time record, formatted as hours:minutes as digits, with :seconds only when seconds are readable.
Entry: 7:57
